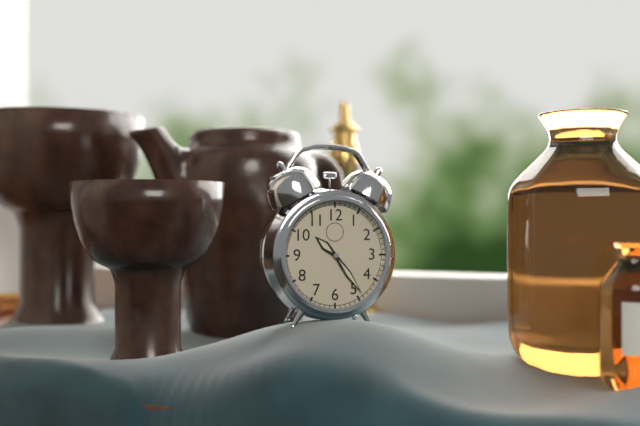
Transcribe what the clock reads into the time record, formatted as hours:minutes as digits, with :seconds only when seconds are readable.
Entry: 10:24
